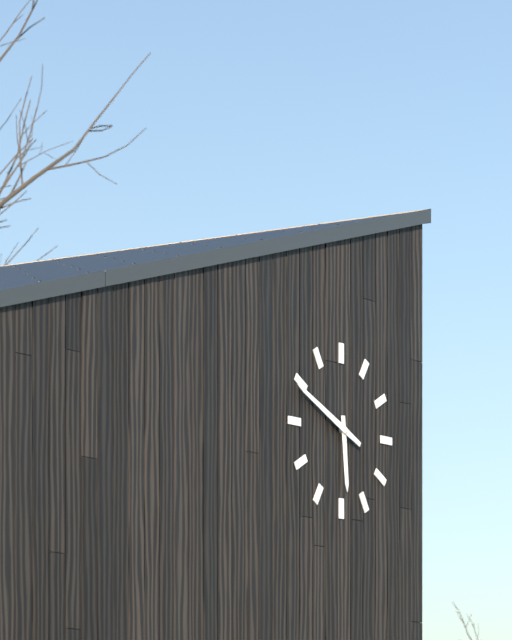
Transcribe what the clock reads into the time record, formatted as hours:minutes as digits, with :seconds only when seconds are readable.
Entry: 5:49
